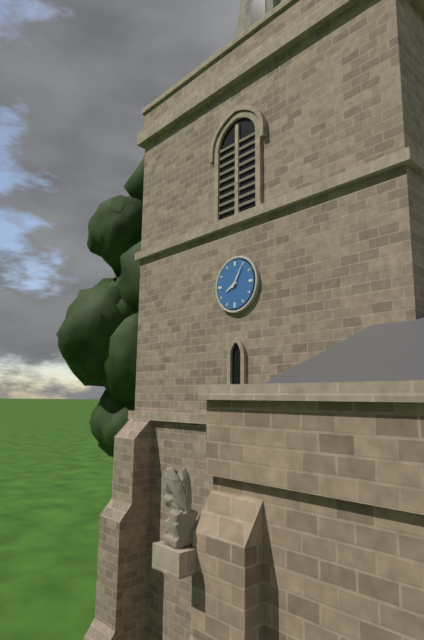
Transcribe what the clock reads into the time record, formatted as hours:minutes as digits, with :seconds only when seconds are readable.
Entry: 8:05
